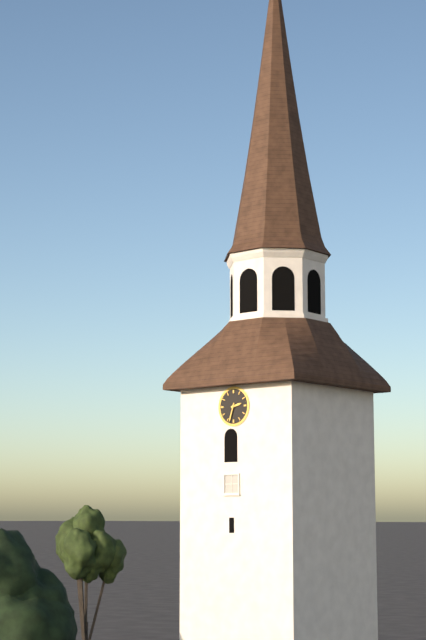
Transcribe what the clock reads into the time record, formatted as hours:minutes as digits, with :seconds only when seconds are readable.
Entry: 2:33
